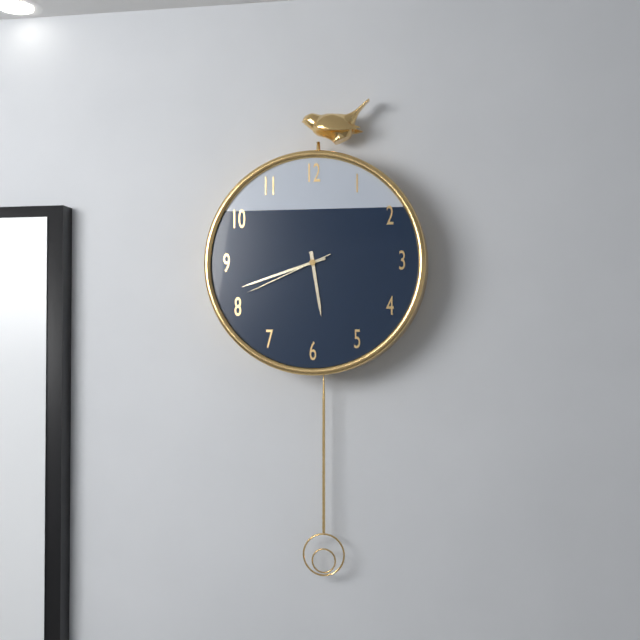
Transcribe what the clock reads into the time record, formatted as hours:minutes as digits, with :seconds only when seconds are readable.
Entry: 5:42:41
